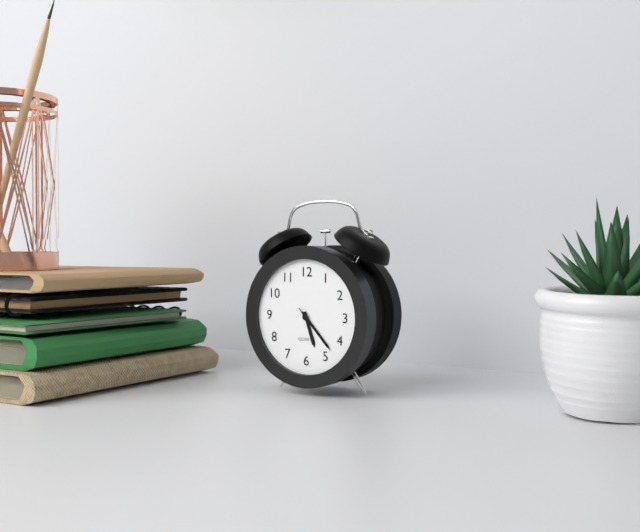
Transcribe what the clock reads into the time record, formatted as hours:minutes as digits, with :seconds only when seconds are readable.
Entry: 5:23:23
